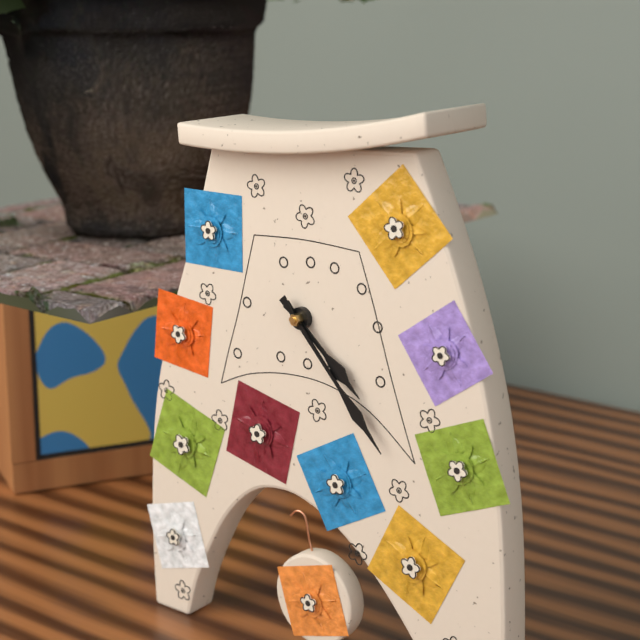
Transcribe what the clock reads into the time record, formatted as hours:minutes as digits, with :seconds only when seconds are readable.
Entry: 4:23
